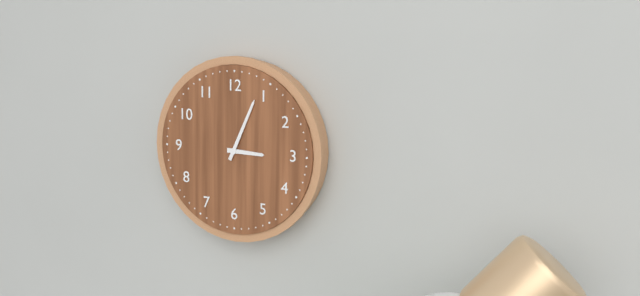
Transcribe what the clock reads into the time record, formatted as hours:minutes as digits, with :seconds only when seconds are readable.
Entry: 3:04
